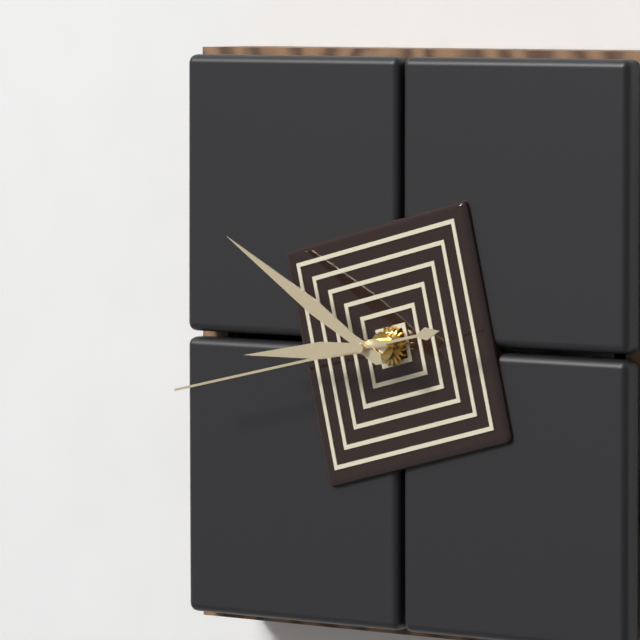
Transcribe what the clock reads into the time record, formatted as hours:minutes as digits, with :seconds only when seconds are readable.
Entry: 8:50:43
